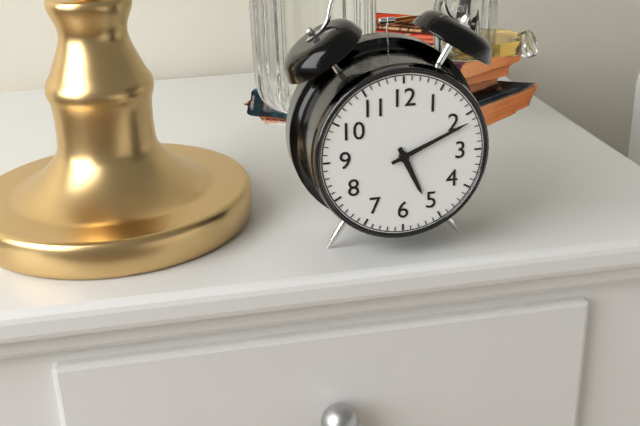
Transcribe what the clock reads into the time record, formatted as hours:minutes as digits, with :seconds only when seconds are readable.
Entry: 5:11
